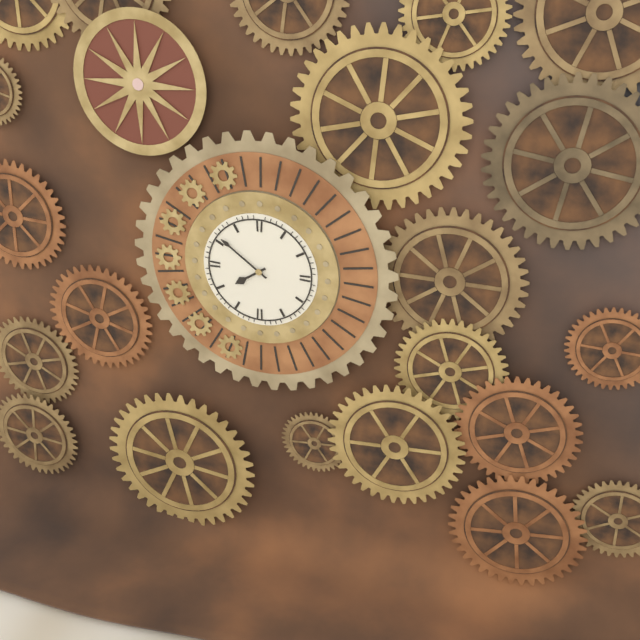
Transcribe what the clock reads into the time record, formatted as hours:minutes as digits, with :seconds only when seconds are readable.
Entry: 7:51
